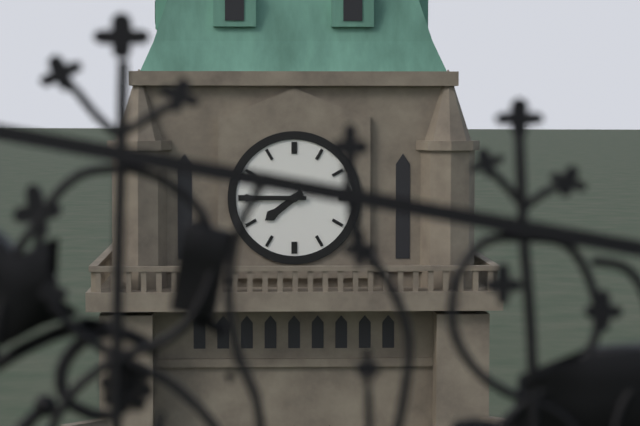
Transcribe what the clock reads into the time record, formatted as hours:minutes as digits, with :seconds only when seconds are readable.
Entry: 7:45
